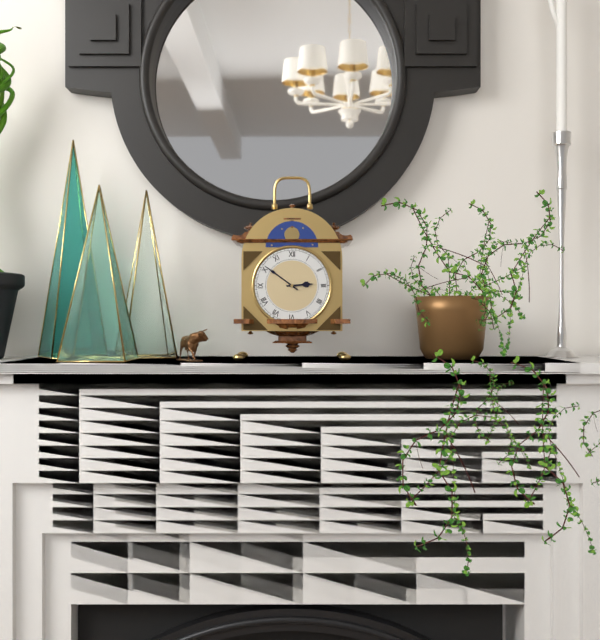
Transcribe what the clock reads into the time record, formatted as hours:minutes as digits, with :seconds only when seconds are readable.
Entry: 2:51
